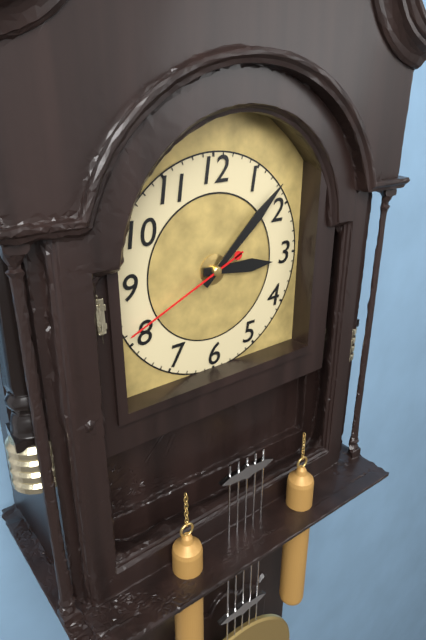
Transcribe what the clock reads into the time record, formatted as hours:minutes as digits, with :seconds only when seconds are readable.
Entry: 3:08:41
